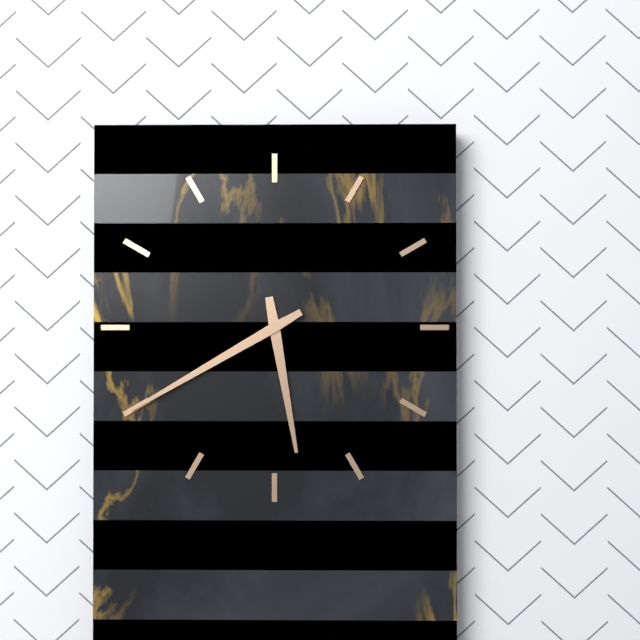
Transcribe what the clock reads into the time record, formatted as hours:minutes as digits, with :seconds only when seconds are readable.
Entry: 5:40
